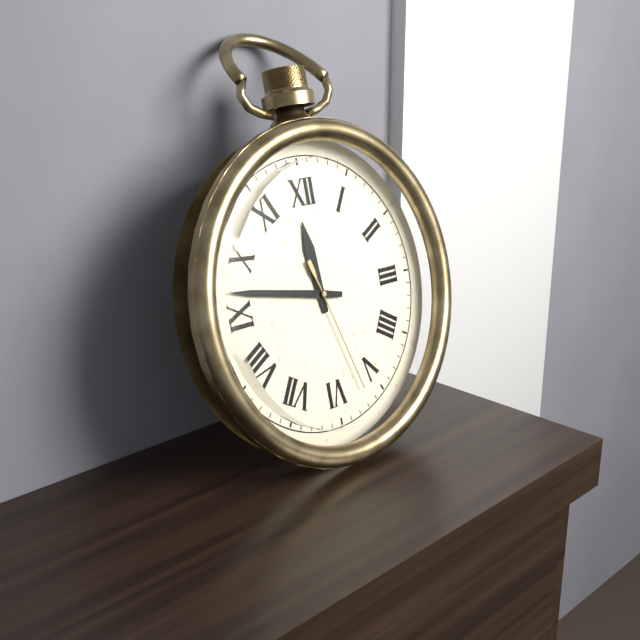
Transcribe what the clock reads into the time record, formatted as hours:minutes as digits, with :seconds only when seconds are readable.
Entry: 11:47:27
